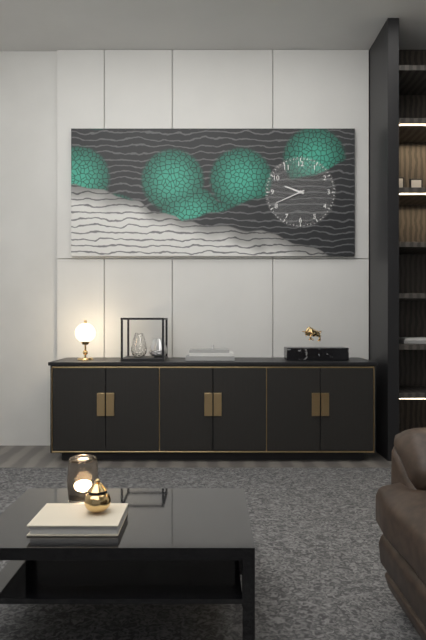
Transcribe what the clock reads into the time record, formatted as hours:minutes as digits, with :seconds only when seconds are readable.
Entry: 9:41
